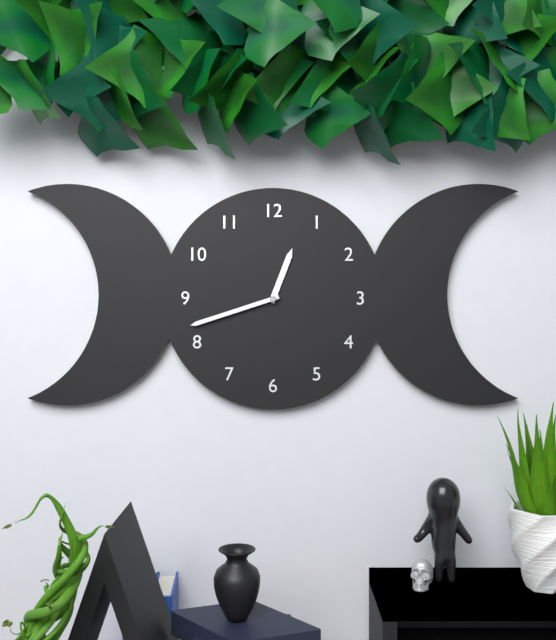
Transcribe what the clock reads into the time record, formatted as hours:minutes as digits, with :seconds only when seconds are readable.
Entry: 12:42
